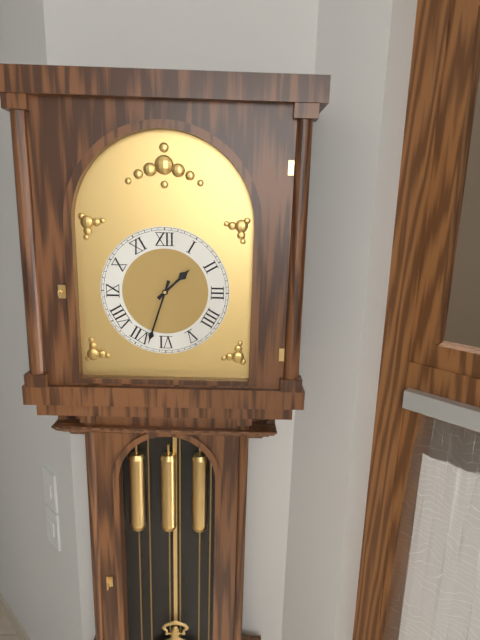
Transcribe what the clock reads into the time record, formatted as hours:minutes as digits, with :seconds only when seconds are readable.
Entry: 1:33
